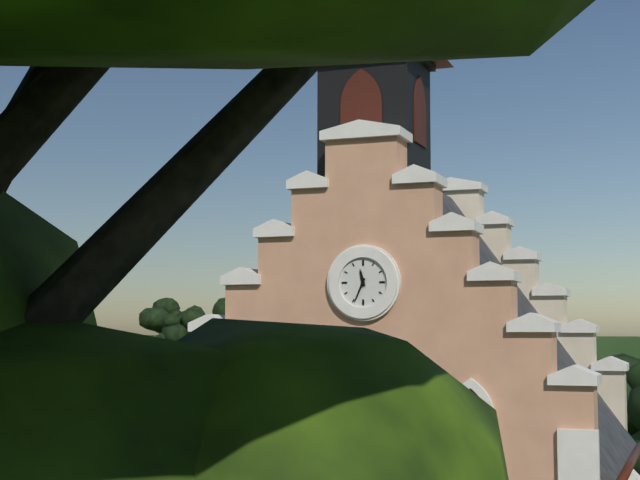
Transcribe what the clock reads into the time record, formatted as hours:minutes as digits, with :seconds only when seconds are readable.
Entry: 11:34
